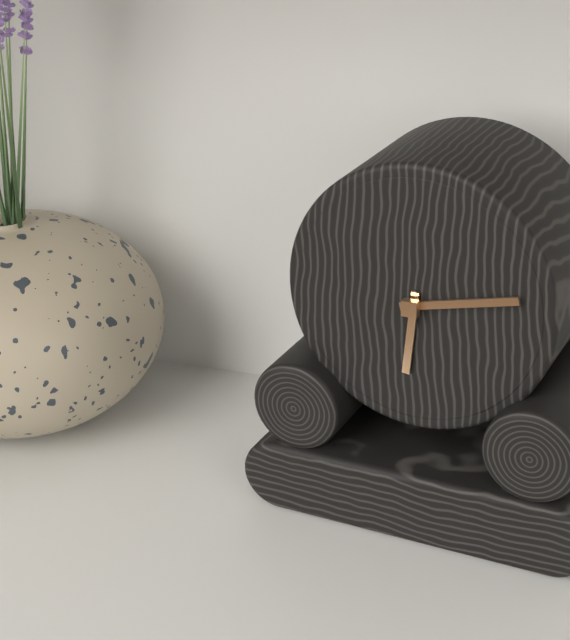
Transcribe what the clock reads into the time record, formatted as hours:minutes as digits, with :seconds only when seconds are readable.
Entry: 6:13
